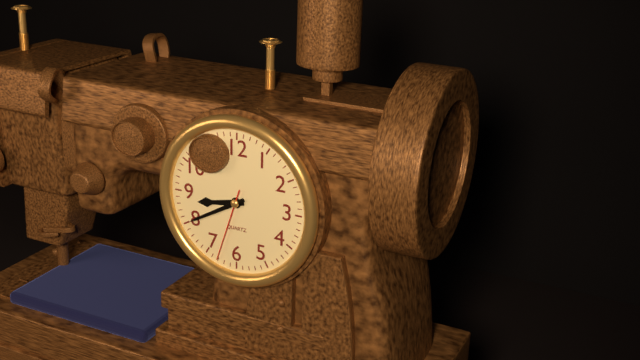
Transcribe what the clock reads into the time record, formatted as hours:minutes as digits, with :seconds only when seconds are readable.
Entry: 8:40:33
